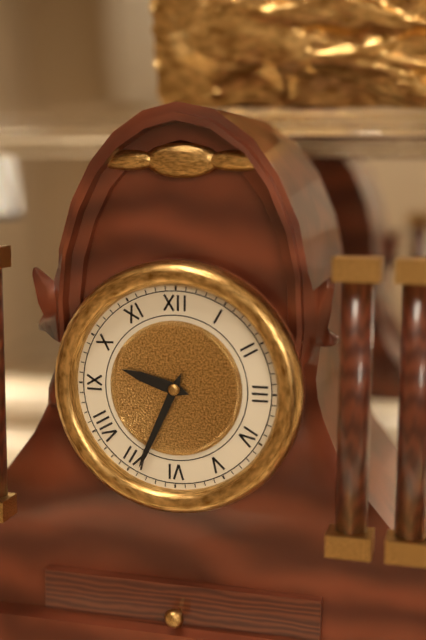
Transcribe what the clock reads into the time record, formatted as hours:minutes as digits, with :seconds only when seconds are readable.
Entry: 9:34
